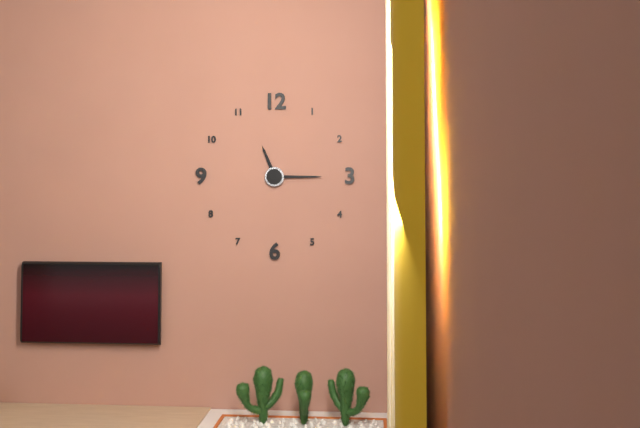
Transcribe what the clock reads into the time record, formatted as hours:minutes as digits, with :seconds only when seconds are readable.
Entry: 11:15
